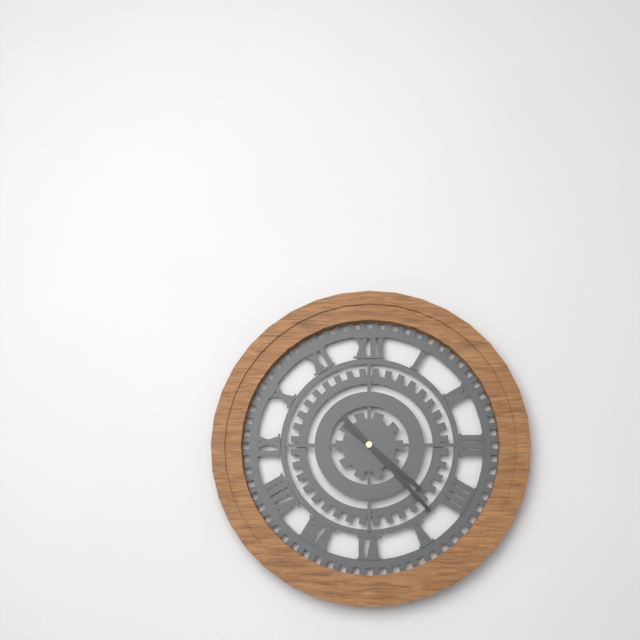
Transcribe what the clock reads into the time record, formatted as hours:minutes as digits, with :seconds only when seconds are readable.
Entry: 4:23
